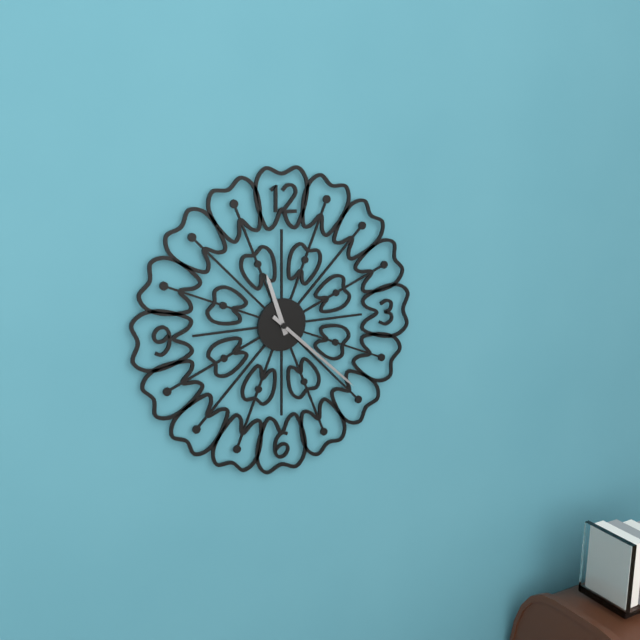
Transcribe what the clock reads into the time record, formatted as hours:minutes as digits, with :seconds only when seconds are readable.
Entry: 11:22
